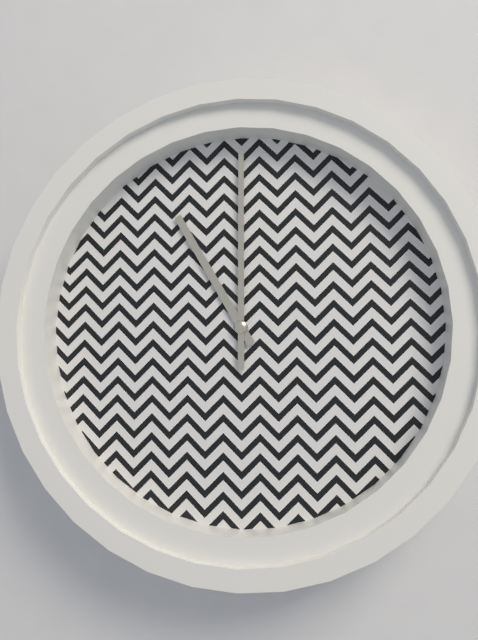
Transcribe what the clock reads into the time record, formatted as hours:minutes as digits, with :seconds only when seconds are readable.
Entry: 11:00
